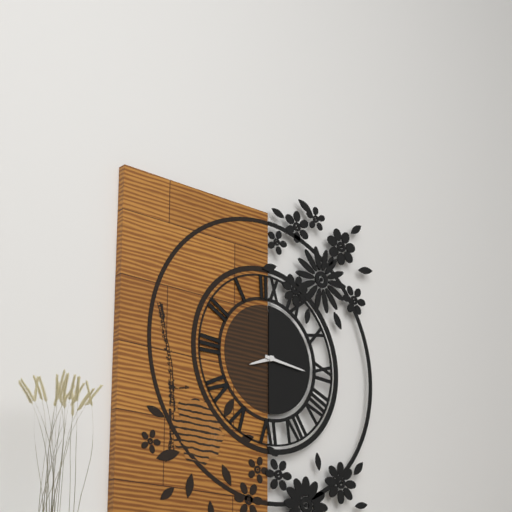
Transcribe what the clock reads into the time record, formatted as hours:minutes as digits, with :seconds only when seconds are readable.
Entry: 8:16
